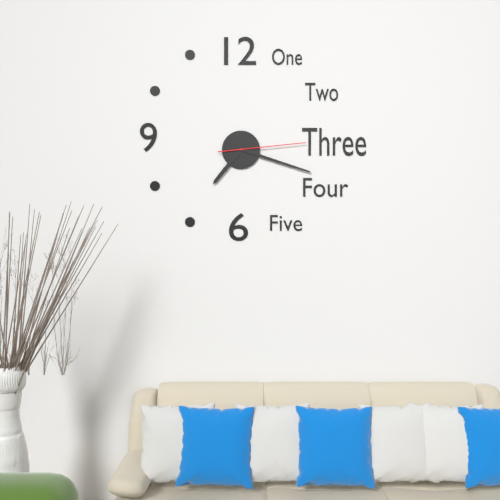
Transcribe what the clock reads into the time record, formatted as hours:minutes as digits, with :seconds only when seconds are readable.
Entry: 7:18:14
